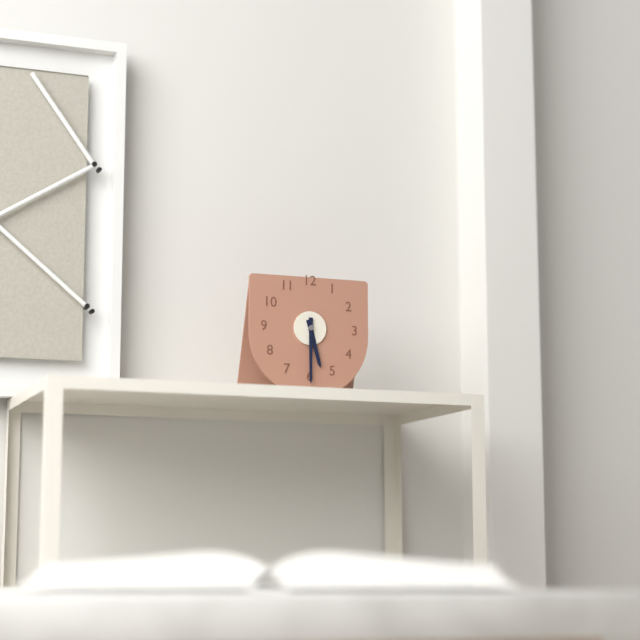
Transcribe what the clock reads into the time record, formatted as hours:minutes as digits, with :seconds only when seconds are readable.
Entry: 5:30
